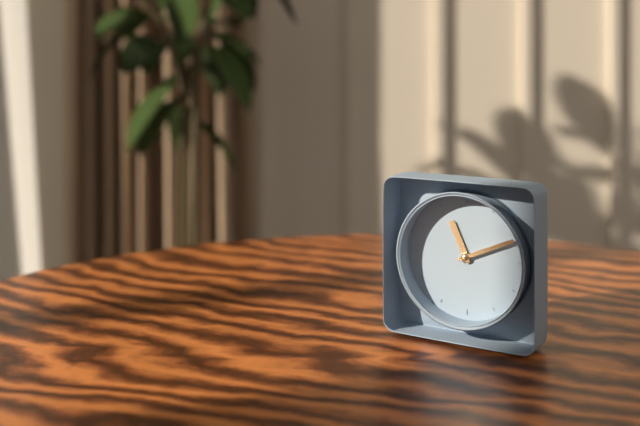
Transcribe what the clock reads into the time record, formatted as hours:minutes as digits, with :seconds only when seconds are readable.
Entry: 11:11
